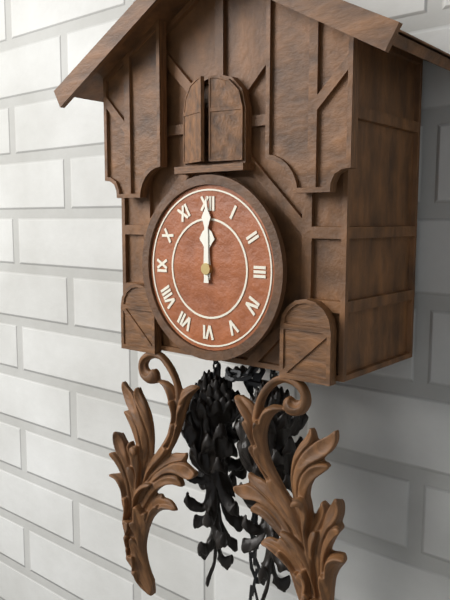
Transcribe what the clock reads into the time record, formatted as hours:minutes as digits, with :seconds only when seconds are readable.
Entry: 12:00
